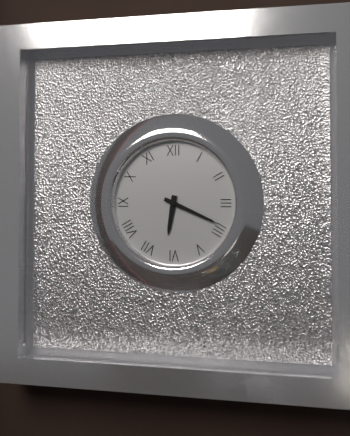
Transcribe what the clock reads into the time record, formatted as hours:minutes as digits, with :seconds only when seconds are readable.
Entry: 6:19
